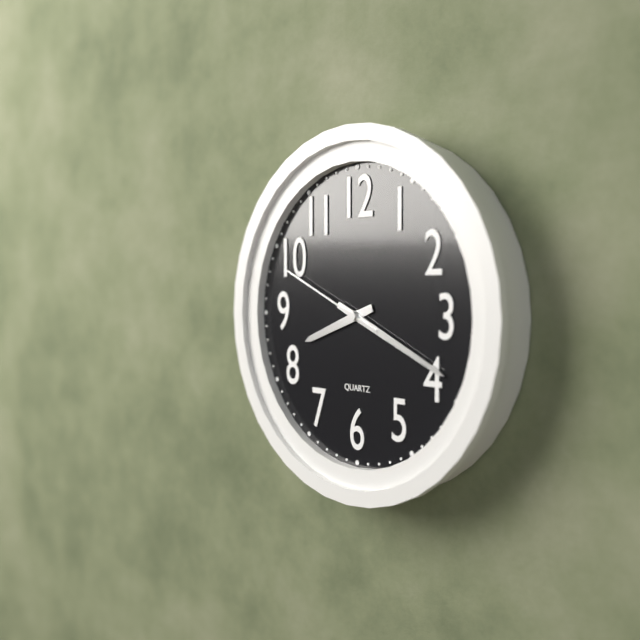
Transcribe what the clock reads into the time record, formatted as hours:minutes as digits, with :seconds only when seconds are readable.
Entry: 8:19:49
